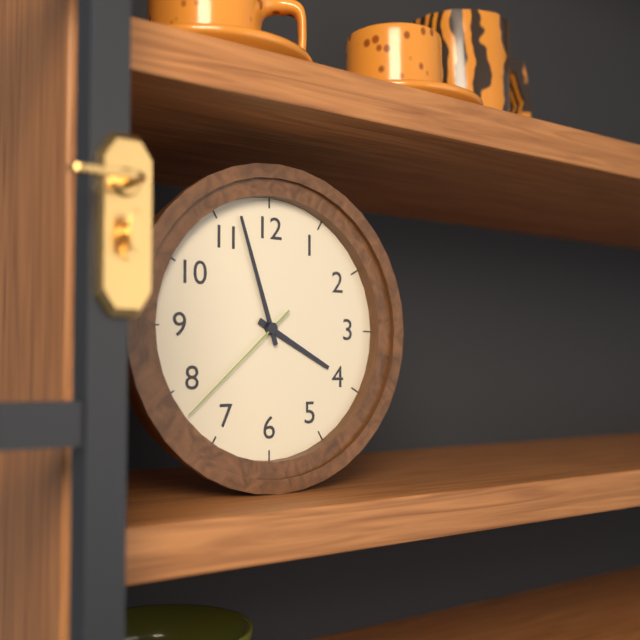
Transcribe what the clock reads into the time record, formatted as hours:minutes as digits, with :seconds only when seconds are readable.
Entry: 3:57:38
